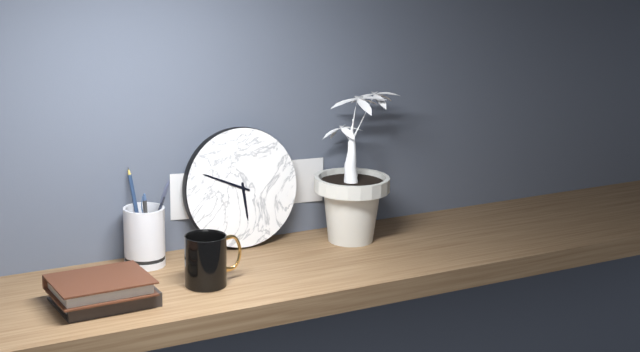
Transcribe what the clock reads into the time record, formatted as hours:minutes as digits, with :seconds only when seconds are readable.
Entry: 5:49
